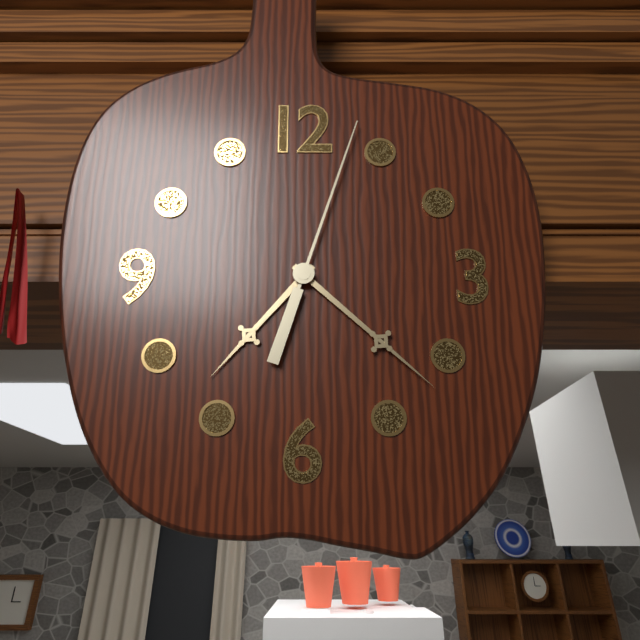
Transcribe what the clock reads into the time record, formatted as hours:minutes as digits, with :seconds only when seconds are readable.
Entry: 7:22:03
